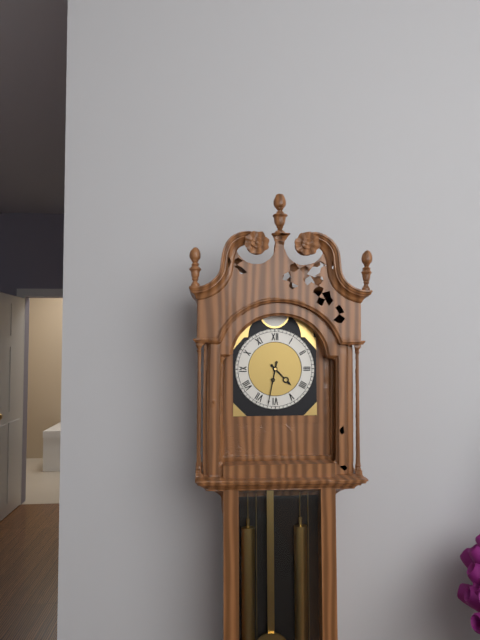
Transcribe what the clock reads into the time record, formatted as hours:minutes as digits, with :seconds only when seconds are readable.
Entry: 4:32
